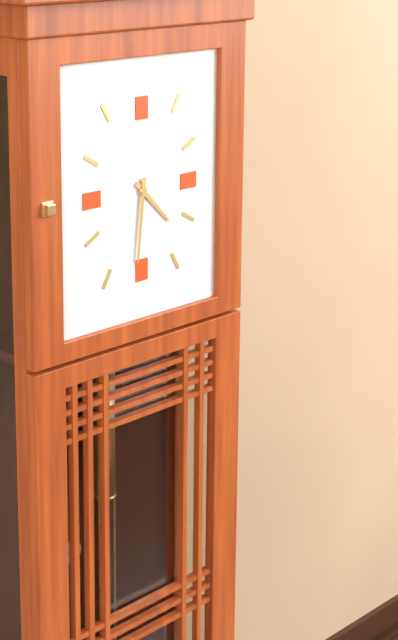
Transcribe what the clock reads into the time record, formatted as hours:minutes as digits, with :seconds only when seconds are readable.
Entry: 4:31
